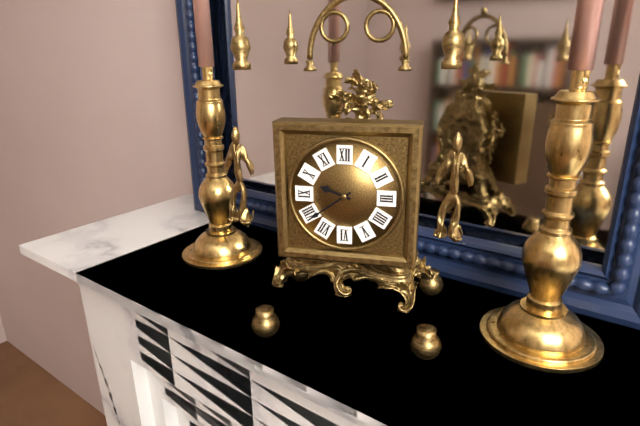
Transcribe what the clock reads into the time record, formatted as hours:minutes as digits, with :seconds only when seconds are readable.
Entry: 9:39
